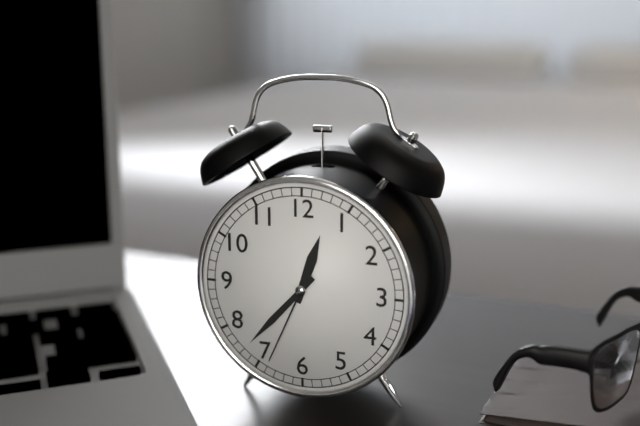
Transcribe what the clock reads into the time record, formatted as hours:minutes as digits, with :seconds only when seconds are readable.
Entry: 12:37:34
